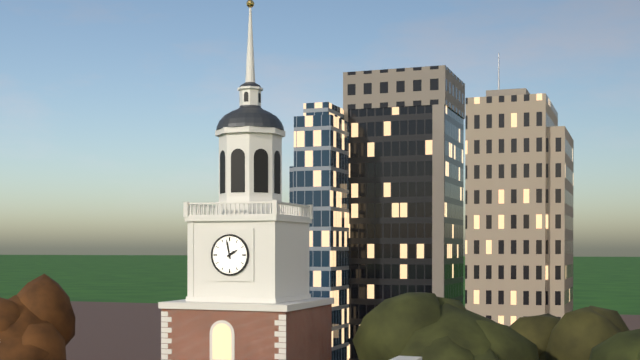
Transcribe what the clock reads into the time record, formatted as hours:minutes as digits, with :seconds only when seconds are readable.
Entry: 1:58
